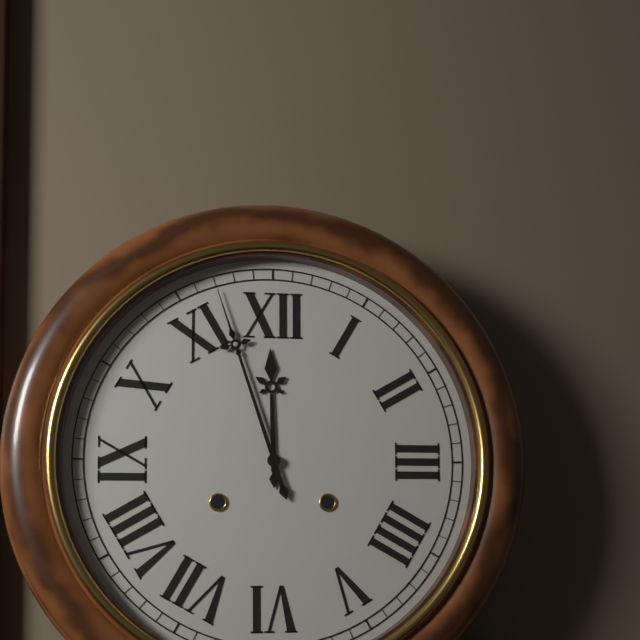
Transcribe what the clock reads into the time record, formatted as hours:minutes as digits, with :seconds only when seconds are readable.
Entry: 11:57
